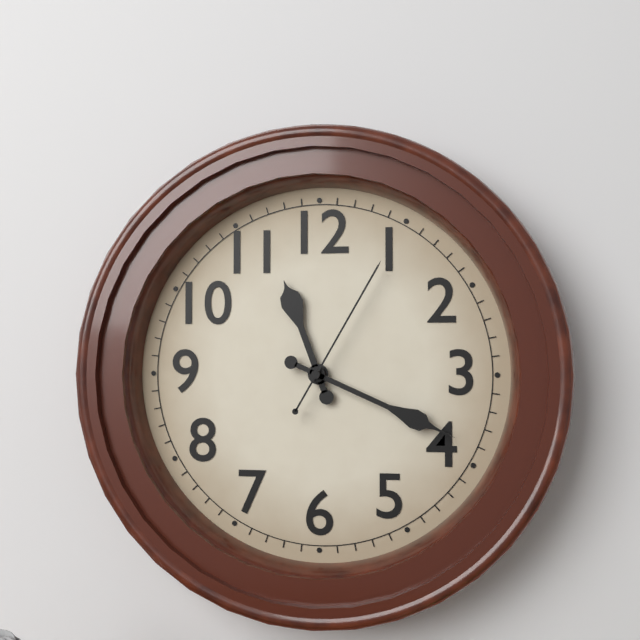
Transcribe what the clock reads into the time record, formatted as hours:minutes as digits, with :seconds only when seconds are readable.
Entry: 11:19:05
